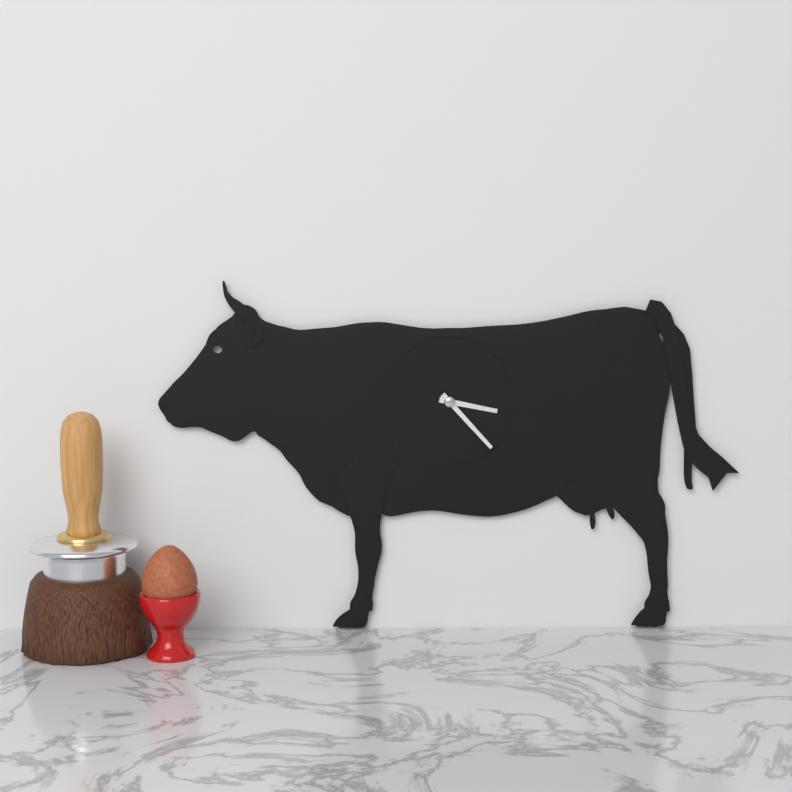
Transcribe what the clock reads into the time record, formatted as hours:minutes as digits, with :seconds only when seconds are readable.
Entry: 3:23
